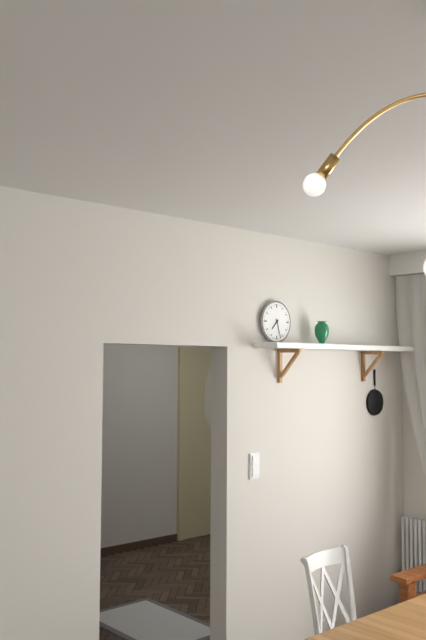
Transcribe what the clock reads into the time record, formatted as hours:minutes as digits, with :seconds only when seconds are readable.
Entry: 7:27
